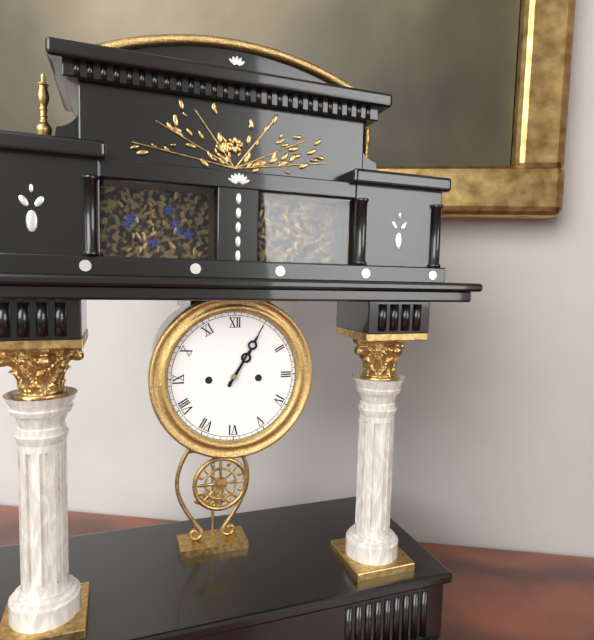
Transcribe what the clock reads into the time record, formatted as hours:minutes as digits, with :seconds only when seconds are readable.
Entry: 1:05
